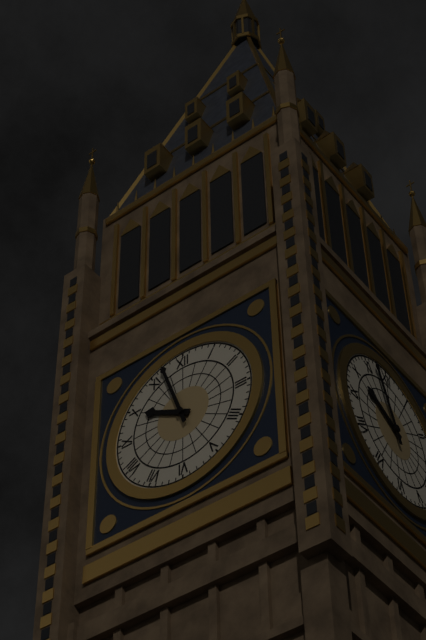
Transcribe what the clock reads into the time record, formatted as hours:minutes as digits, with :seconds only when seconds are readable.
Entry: 9:57
